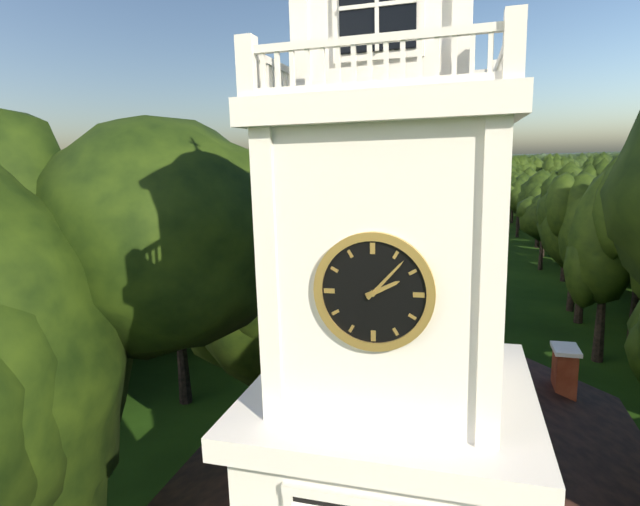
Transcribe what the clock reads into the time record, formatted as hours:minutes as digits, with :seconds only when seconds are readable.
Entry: 2:07
